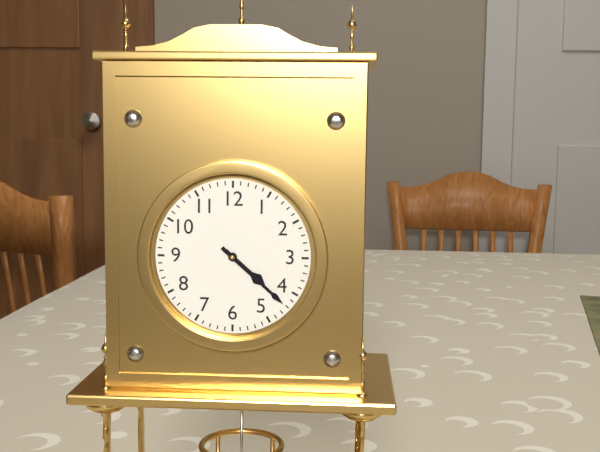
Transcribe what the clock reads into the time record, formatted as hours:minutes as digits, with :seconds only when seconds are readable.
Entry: 4:22
